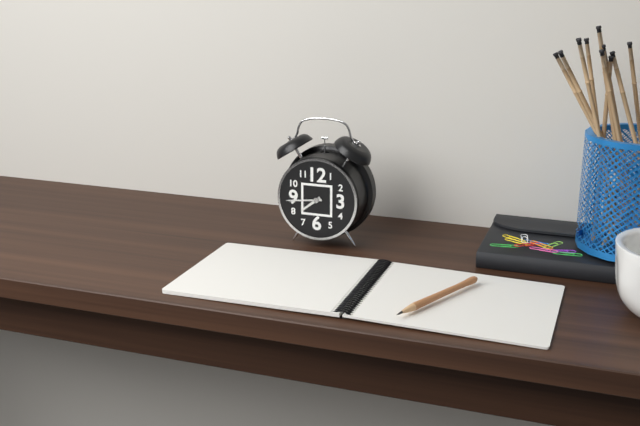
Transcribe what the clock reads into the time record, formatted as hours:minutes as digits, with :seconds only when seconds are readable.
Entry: 7:44
